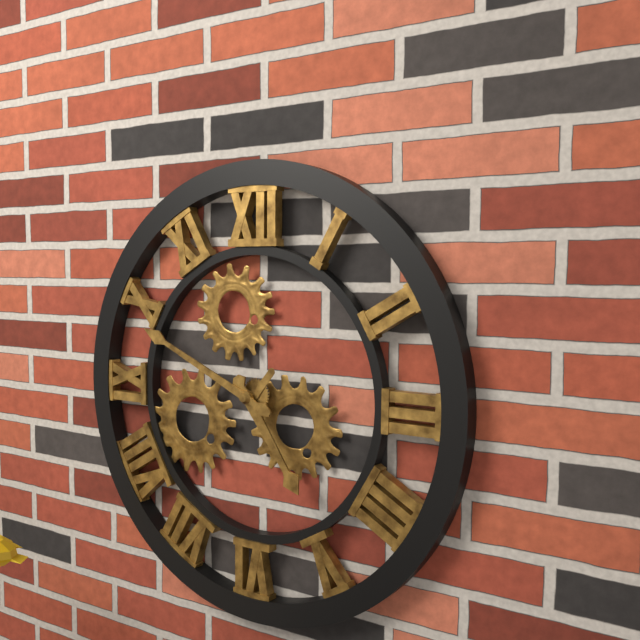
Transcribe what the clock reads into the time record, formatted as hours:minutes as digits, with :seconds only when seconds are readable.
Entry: 4:49
